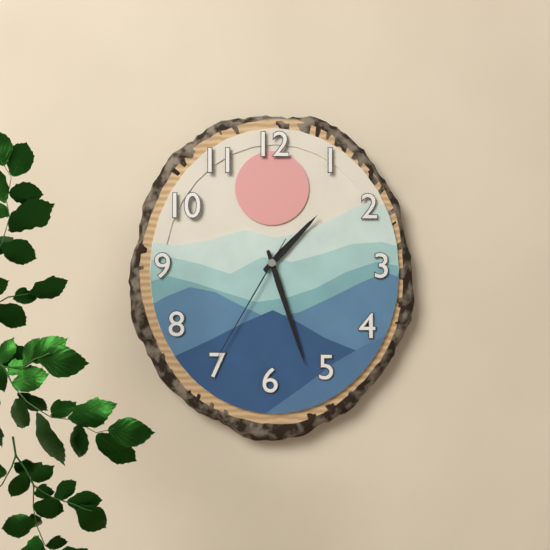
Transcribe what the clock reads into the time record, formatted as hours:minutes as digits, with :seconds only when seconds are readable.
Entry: 1:27:35
